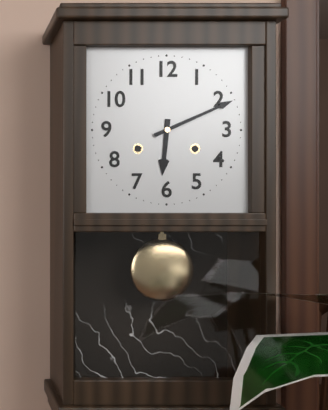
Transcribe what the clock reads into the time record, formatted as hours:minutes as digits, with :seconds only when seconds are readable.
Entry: 6:11
